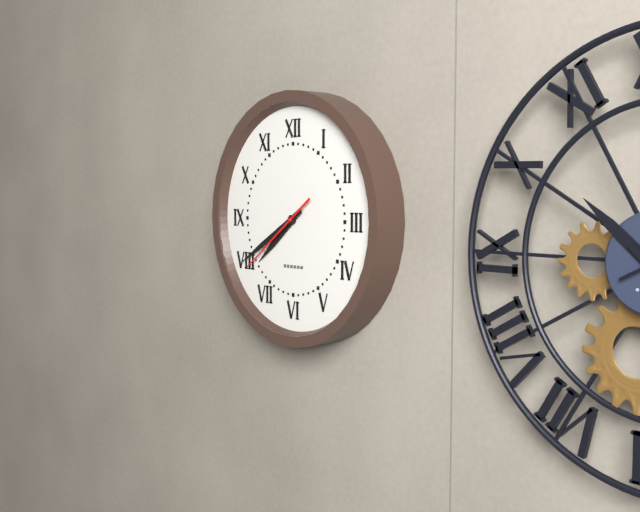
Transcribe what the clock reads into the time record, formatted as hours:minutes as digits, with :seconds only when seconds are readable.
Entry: 7:40:39
